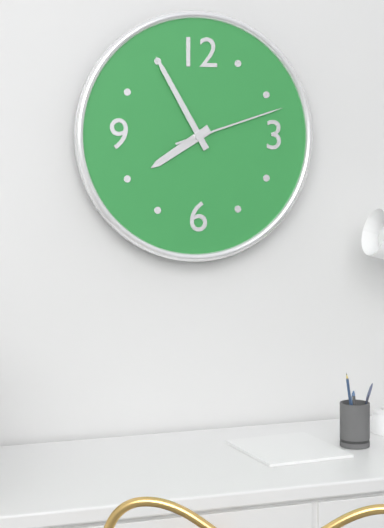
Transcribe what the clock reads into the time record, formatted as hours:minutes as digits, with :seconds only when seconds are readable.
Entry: 7:55:12
